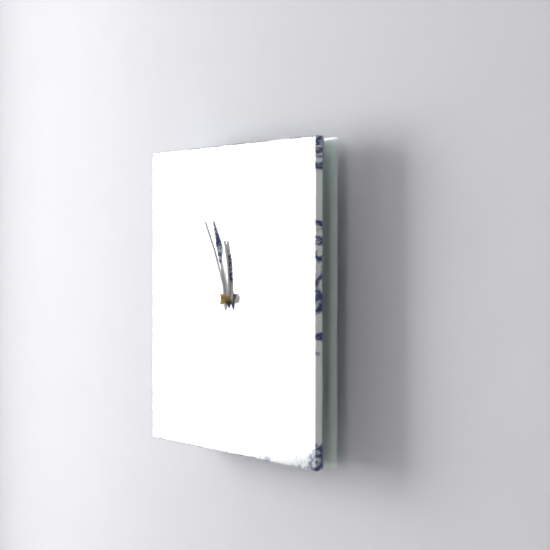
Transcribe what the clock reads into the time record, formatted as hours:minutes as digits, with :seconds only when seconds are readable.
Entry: 11:56
